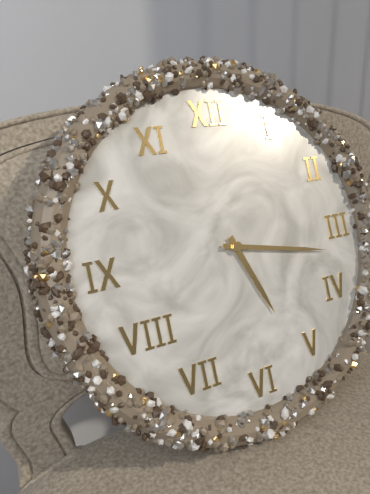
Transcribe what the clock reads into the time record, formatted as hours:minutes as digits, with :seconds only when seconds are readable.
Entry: 5:17
